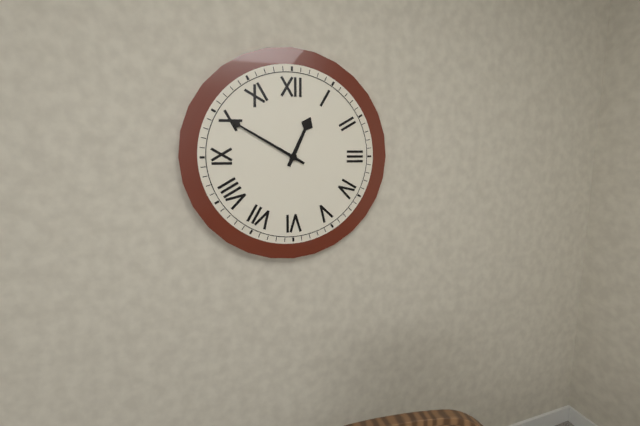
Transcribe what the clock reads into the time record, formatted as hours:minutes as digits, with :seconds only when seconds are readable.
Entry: 12:50
